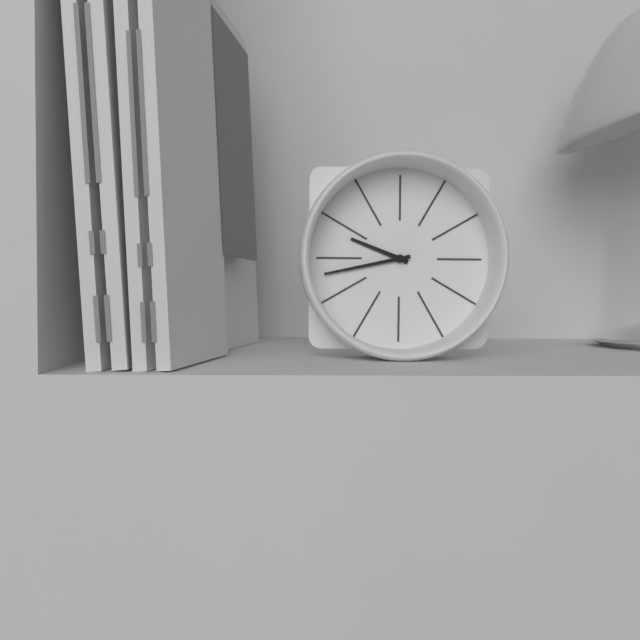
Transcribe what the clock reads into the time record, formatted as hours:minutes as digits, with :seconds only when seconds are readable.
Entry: 9:43
